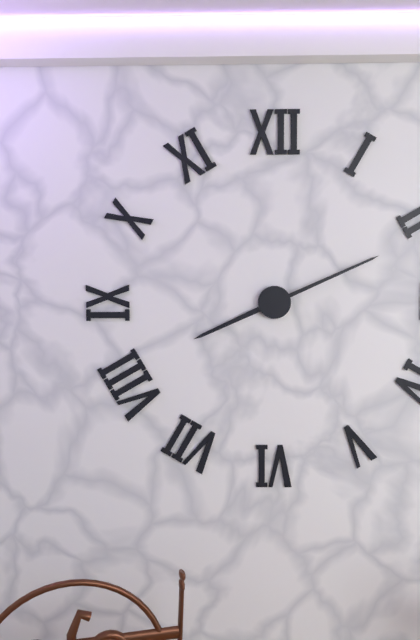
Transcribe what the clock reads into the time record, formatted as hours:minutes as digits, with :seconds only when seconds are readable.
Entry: 8:11
